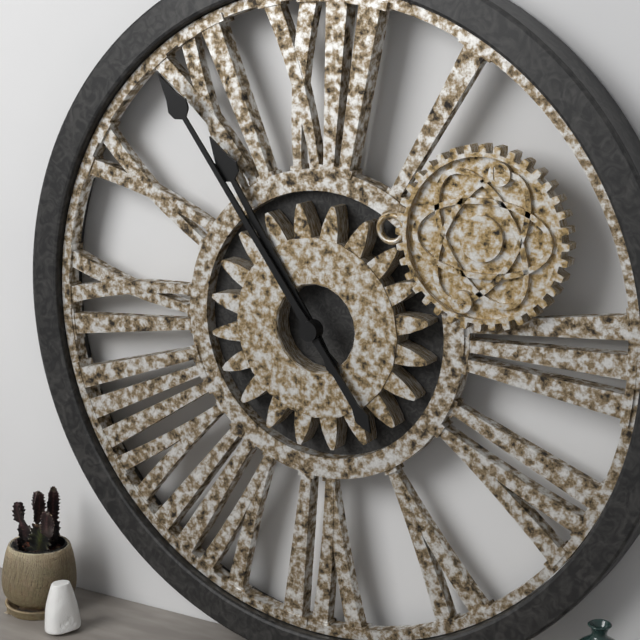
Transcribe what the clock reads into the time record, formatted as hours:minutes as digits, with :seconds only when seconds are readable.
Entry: 10:54
